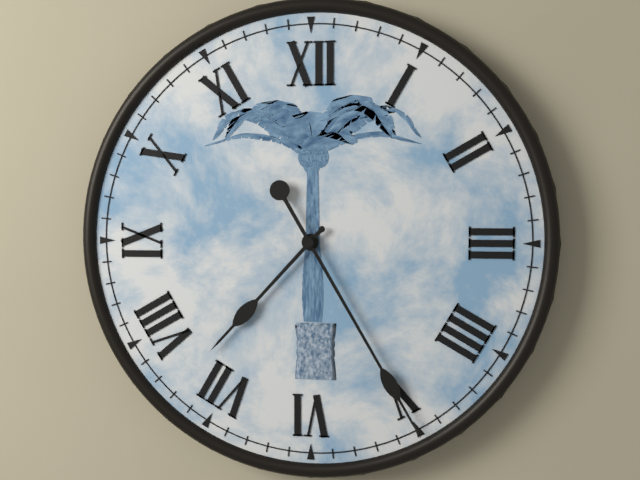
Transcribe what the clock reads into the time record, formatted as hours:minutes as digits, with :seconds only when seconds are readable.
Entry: 7:25
